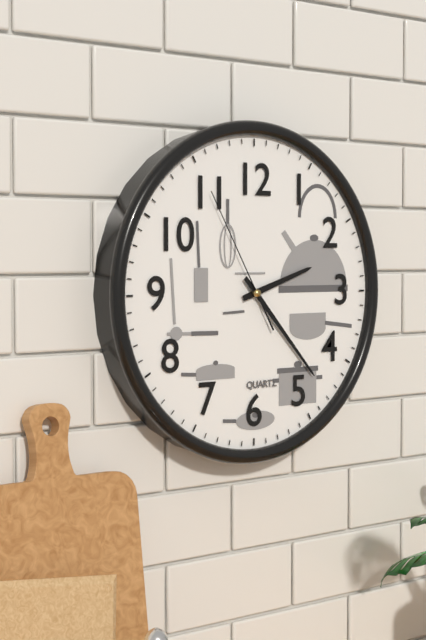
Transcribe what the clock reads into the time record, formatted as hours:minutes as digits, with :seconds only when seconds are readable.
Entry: 2:23:55
